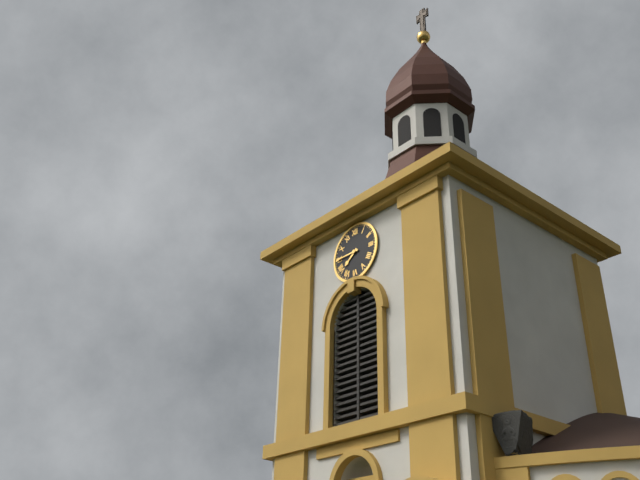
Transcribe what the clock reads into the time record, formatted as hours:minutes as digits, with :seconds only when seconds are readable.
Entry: 7:45
